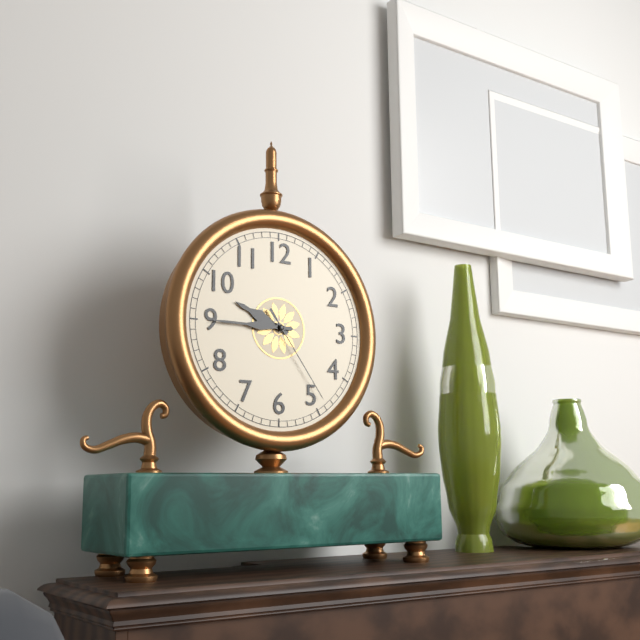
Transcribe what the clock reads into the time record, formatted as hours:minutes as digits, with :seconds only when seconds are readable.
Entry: 9:45:24
